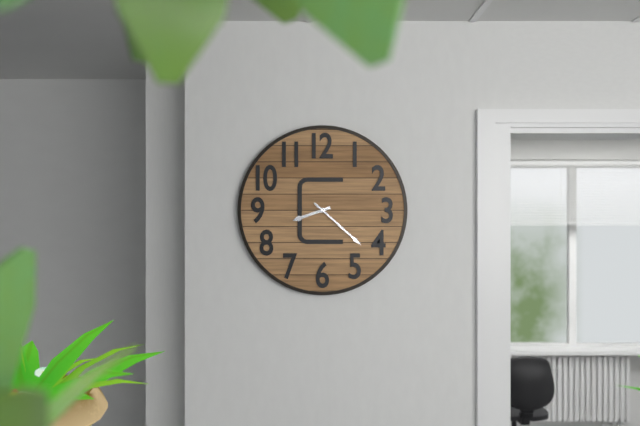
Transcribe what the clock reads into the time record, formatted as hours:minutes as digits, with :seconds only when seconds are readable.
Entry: 8:22
